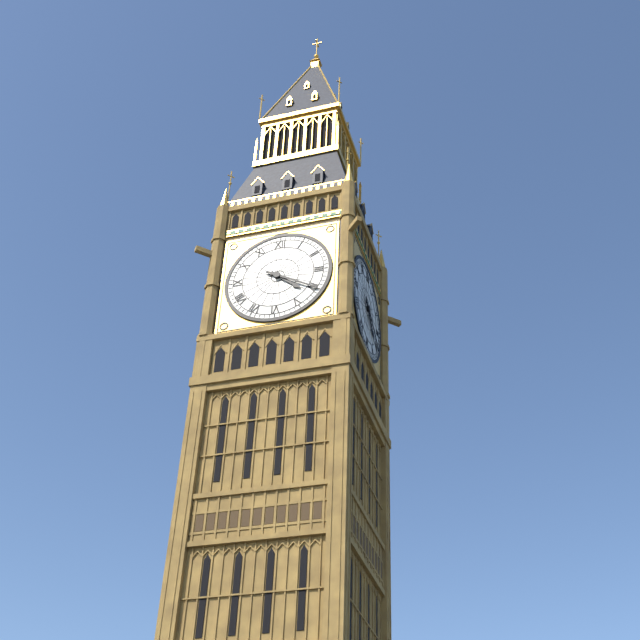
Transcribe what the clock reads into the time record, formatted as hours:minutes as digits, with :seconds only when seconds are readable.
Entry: 4:20
